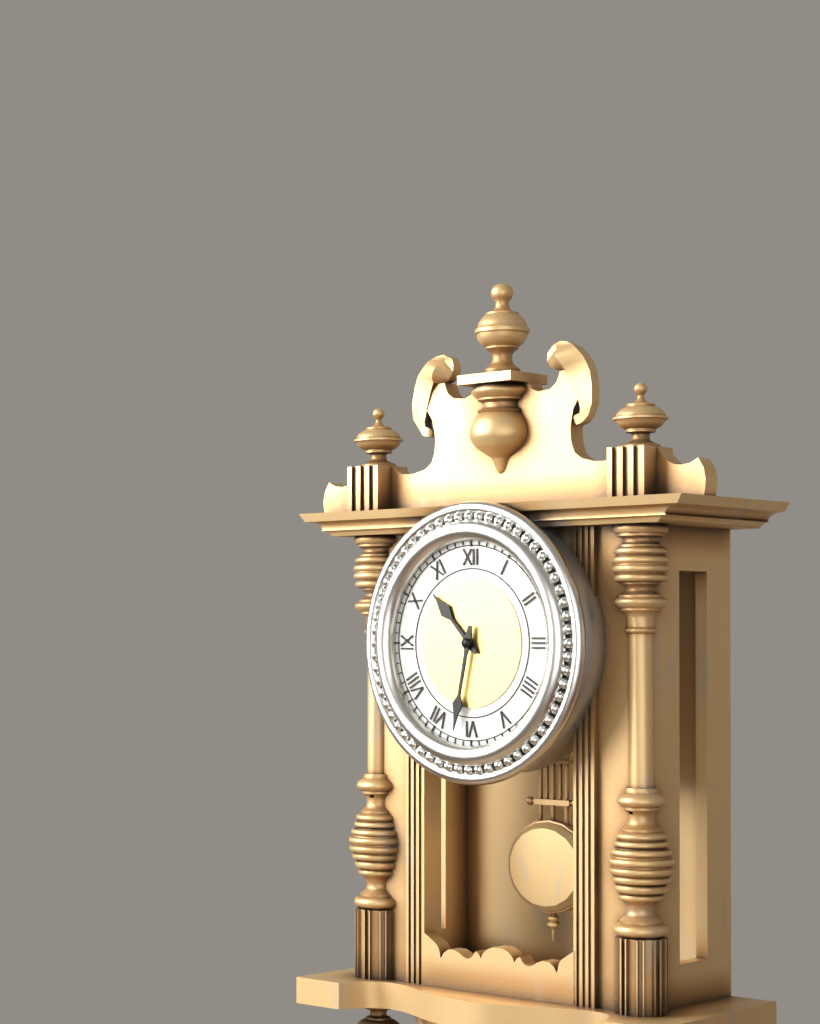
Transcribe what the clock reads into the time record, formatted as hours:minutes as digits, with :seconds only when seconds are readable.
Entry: 10:32
